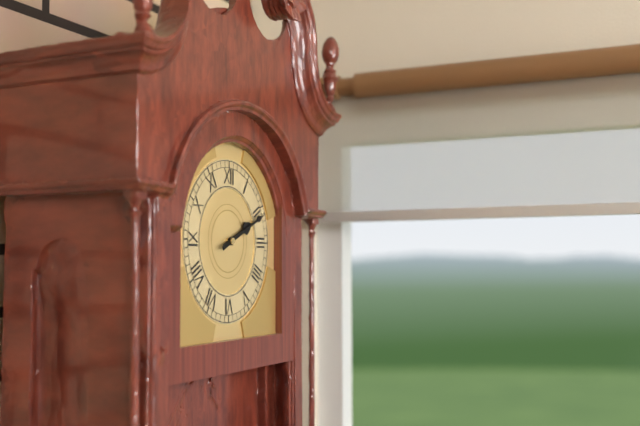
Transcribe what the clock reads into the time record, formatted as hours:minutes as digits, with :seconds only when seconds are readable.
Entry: 2:11
